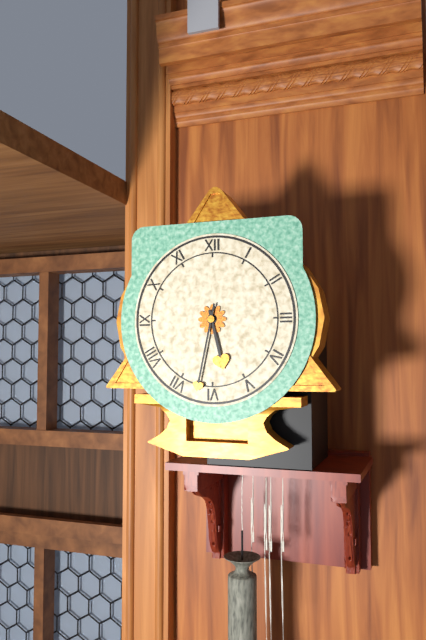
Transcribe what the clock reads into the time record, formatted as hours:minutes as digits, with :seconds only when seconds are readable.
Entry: 5:32
